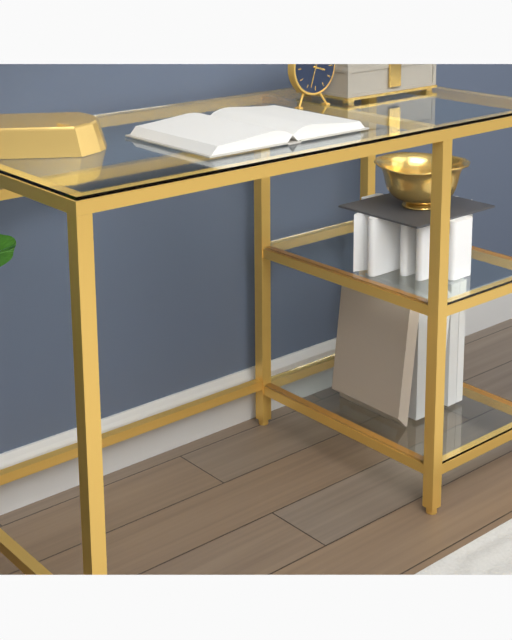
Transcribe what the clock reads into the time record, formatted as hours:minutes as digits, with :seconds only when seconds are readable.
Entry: 3:33
